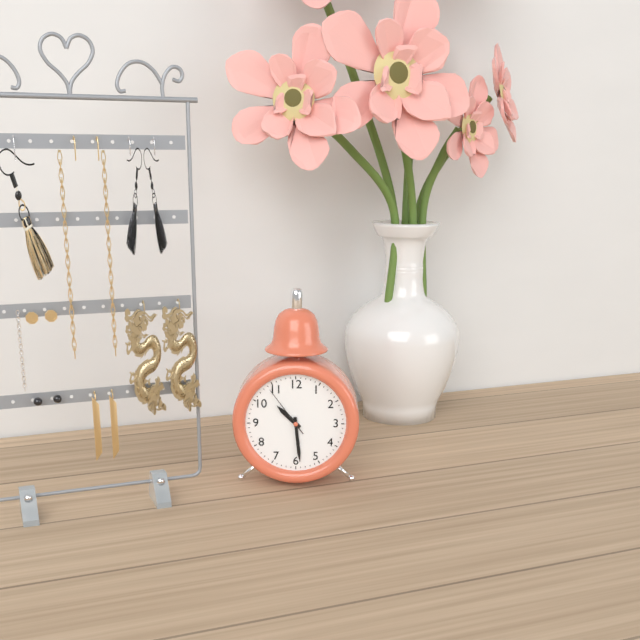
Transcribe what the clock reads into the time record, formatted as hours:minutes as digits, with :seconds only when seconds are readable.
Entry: 10:29:54
